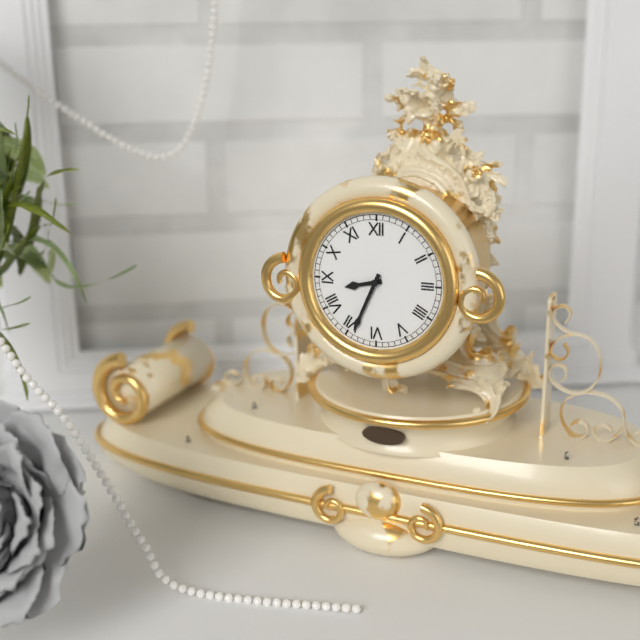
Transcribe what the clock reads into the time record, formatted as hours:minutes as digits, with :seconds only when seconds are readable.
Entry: 8:34
